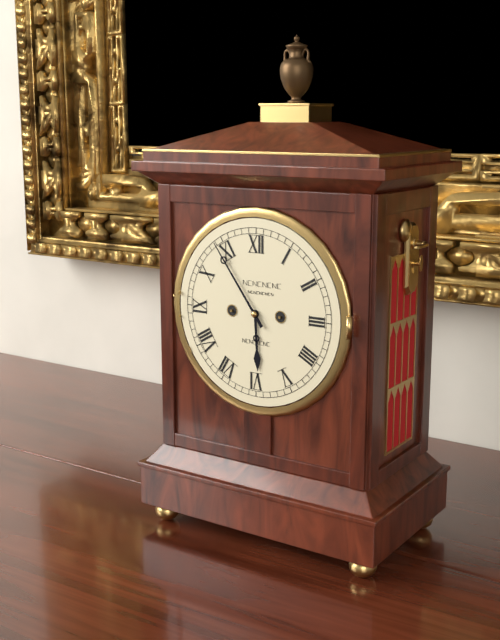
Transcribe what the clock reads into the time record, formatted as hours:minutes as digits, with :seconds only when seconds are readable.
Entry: 5:54
